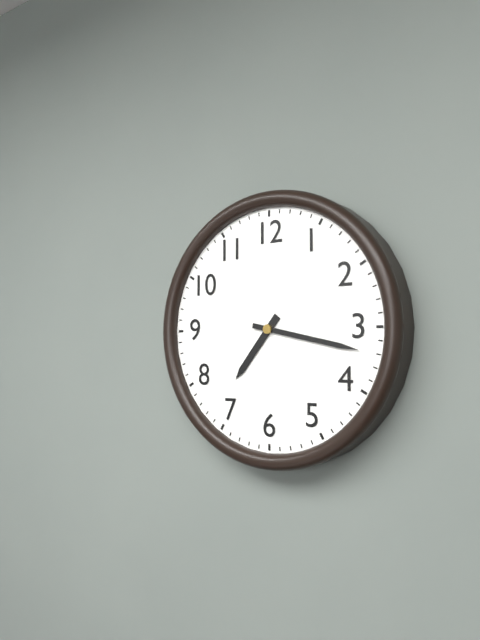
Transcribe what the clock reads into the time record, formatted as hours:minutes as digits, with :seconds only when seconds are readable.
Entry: 7:17
